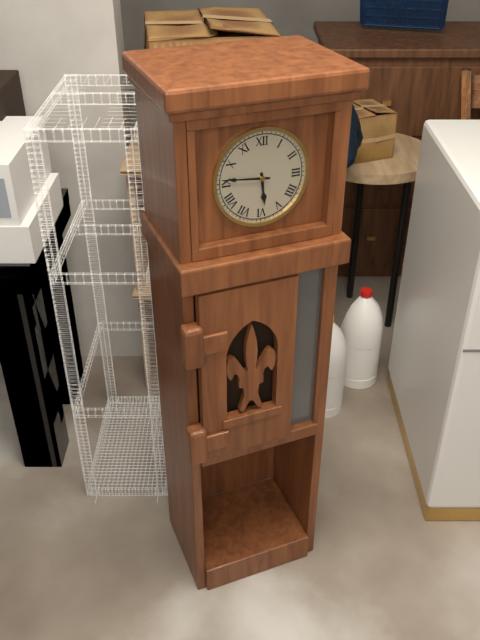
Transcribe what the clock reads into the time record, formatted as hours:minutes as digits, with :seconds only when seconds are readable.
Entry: 5:46
